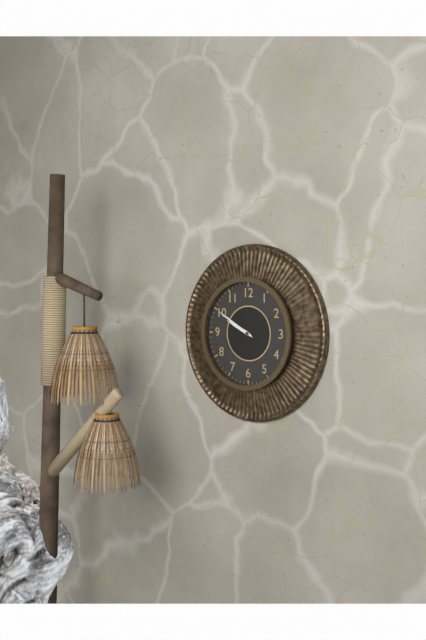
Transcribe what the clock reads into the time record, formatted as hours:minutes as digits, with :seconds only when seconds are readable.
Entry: 9:50
